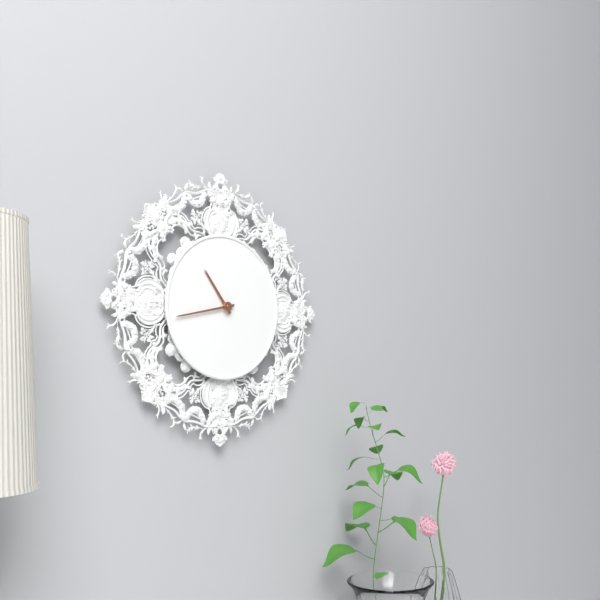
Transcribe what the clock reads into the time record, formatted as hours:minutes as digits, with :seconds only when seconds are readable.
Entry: 10:43
